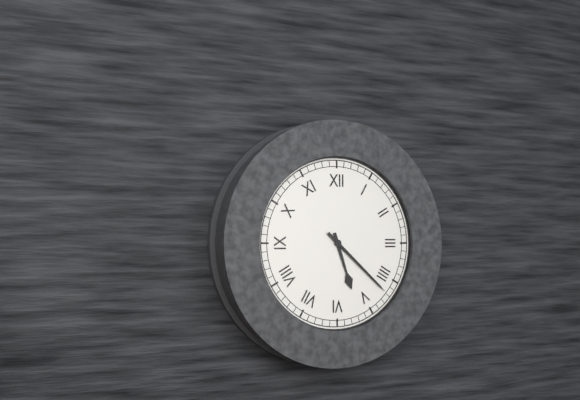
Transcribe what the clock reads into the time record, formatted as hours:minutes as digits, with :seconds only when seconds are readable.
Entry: 5:22
